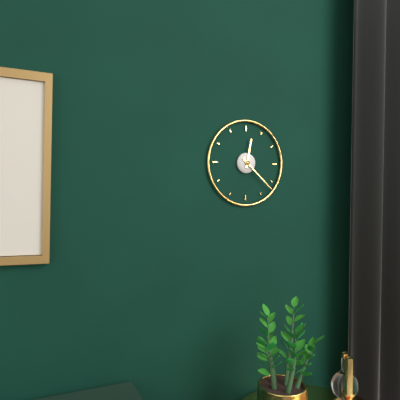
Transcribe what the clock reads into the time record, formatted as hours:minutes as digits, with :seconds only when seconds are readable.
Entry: 12:22
